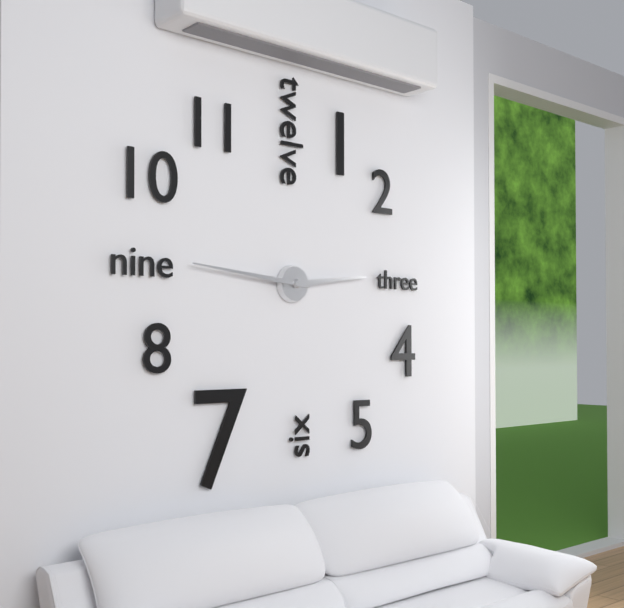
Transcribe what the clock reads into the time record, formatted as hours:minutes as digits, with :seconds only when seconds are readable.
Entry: 2:46
